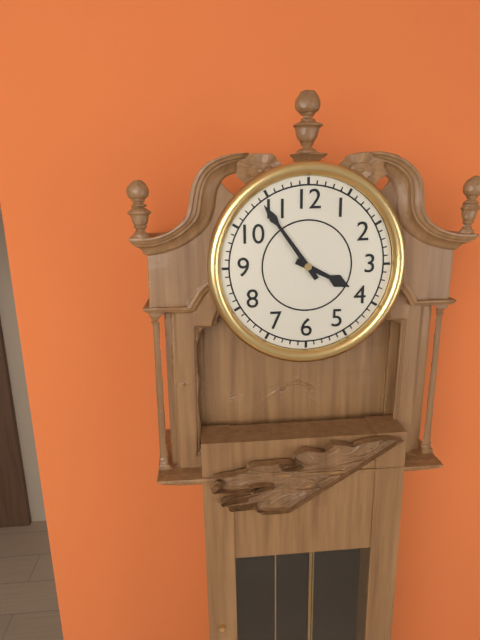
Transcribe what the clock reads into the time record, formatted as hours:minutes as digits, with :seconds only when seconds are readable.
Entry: 3:54
